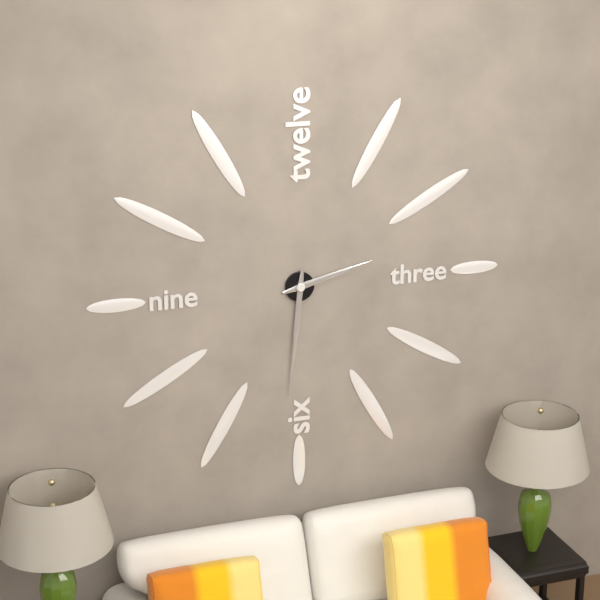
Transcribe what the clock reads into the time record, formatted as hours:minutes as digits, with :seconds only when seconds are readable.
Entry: 2:31
